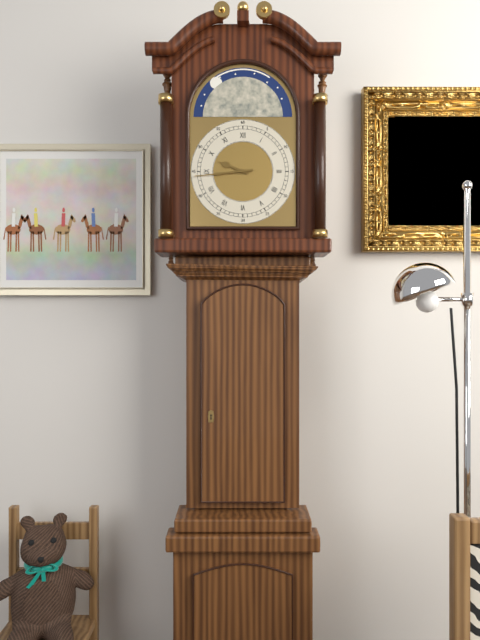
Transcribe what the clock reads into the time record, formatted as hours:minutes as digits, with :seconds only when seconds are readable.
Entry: 9:44
